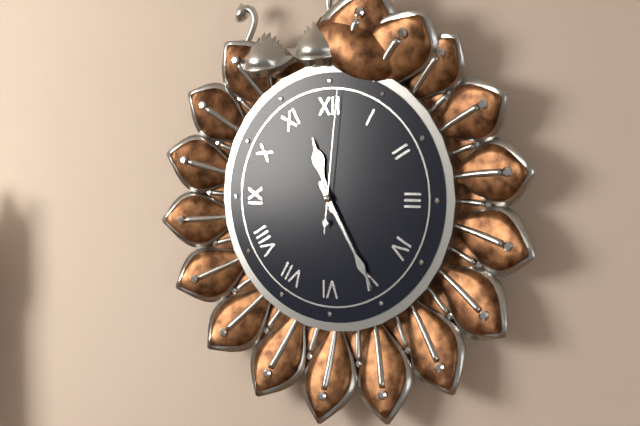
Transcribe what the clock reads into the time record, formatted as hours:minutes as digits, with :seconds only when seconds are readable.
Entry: 11:25:01
